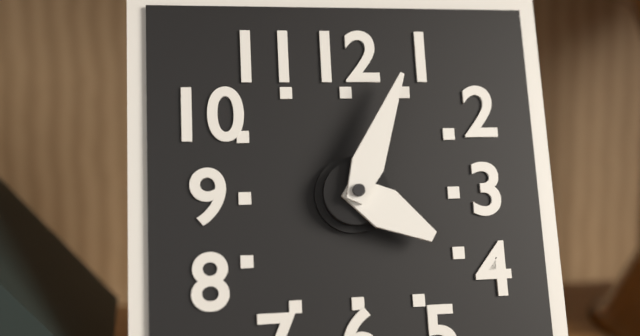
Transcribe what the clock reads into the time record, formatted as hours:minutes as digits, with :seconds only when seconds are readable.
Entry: 4:04
